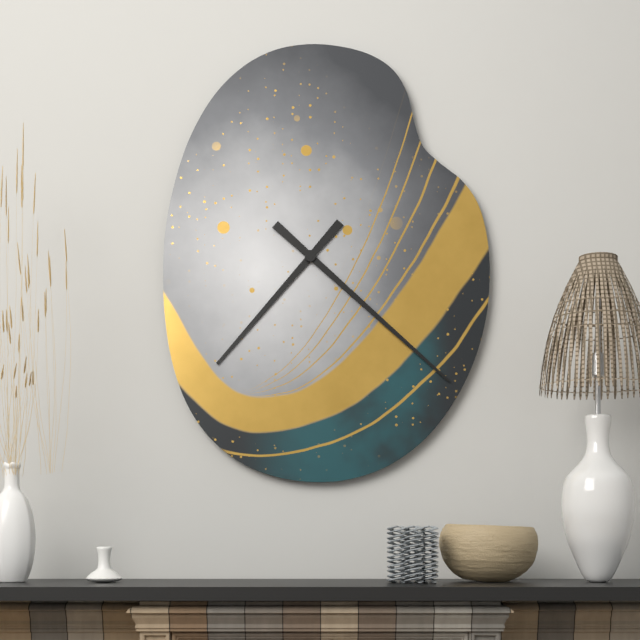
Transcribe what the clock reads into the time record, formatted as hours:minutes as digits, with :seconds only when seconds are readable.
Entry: 7:22
